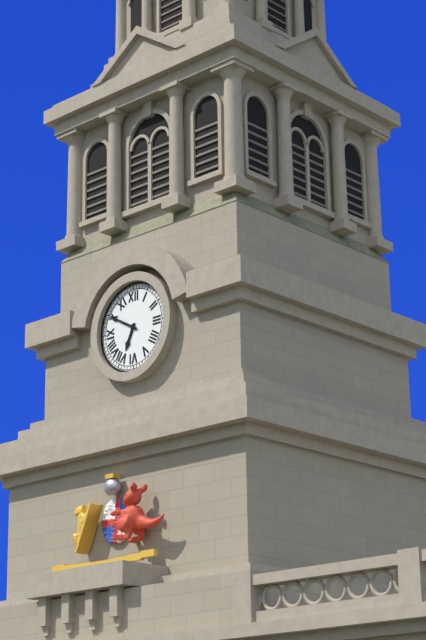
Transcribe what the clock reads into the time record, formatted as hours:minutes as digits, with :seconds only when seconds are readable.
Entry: 6:50
